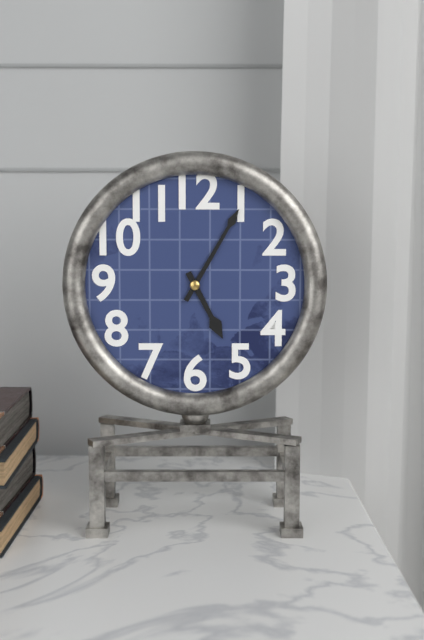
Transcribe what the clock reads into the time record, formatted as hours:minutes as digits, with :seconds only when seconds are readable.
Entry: 5:05
